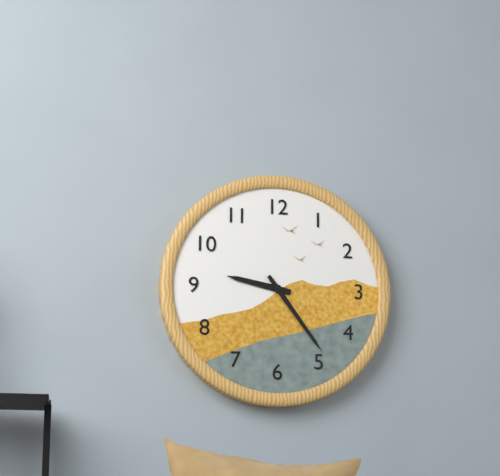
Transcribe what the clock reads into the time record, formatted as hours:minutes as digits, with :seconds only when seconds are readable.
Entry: 9:24
